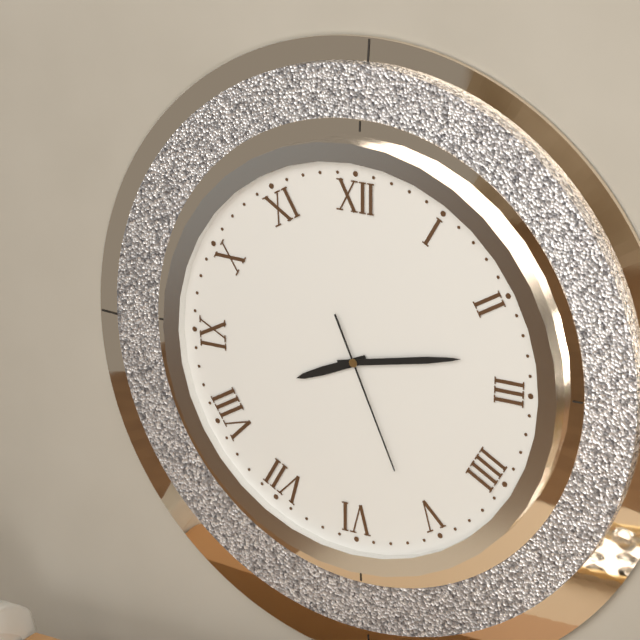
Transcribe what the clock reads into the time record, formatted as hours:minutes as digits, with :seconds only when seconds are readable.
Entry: 8:13:26
